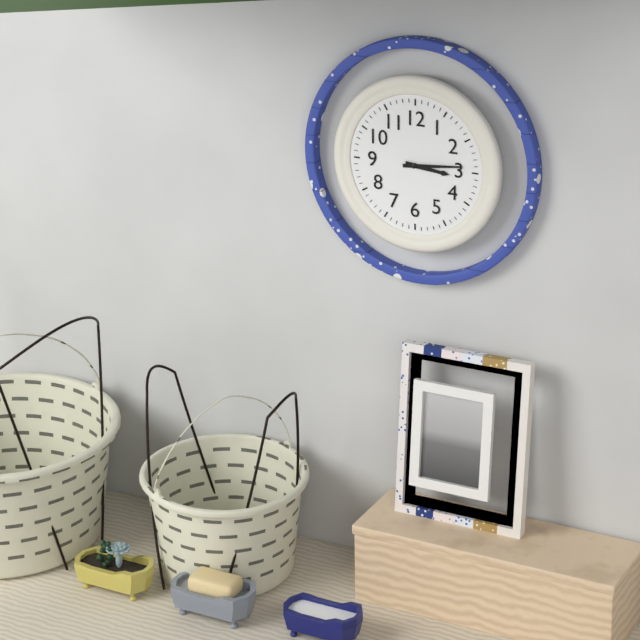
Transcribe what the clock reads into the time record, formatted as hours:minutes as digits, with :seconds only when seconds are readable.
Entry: 3:14
